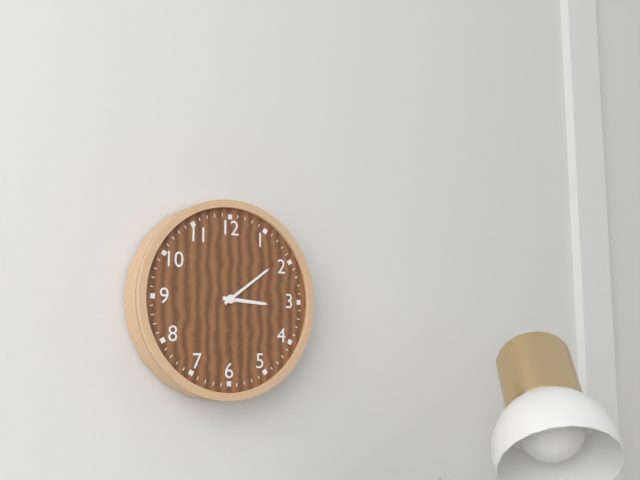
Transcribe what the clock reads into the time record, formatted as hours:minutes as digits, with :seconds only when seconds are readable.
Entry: 3:09
